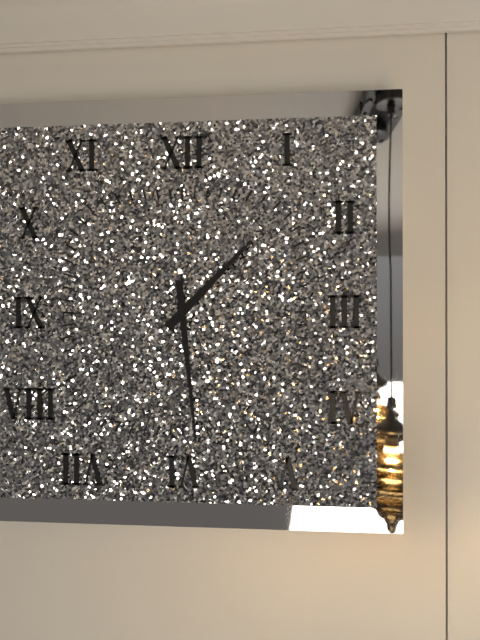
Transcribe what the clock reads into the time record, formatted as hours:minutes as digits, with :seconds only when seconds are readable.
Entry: 1:29
